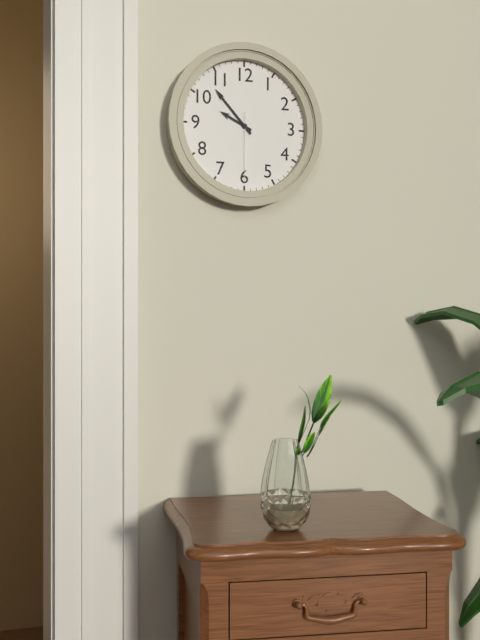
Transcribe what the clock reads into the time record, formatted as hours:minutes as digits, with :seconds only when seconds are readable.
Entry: 9:53:30
